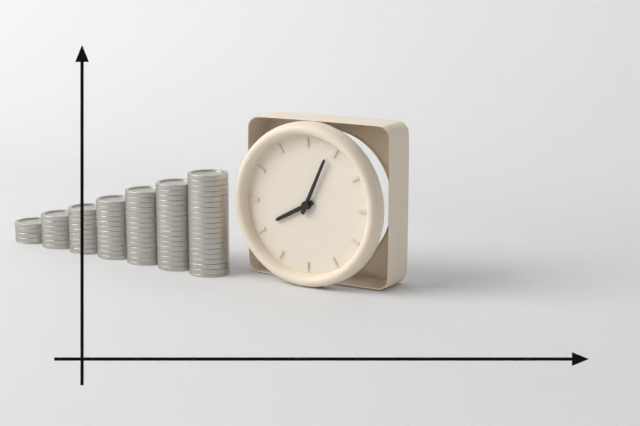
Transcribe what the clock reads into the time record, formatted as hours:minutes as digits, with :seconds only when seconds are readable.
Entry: 8:04
